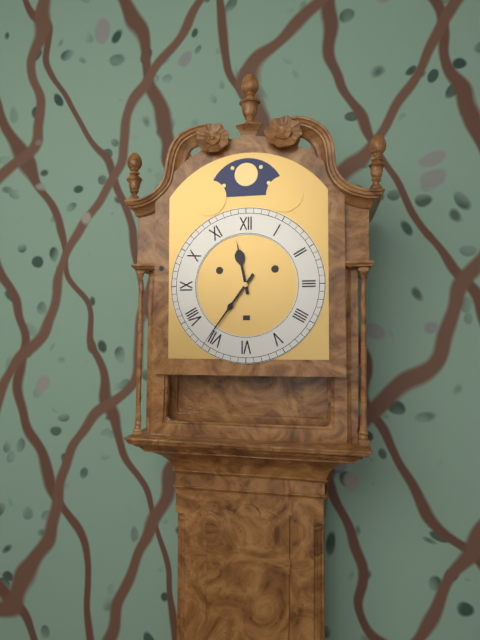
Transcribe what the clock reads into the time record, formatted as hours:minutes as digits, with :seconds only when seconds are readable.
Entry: 11:36
